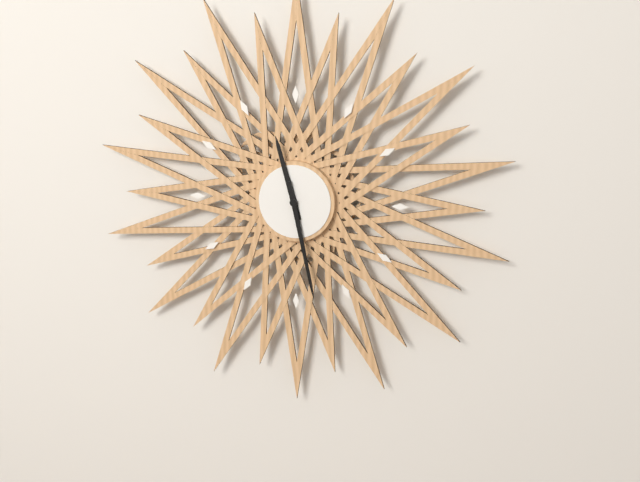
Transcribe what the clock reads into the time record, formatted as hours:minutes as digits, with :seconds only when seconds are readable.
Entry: 11:28
